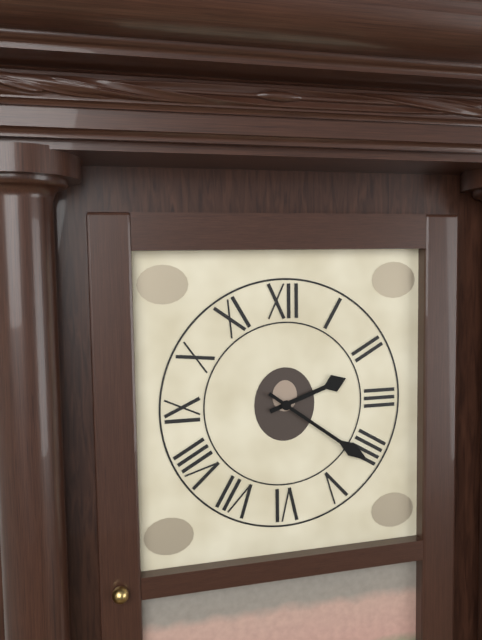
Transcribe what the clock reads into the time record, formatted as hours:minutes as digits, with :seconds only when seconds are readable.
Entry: 2:21
